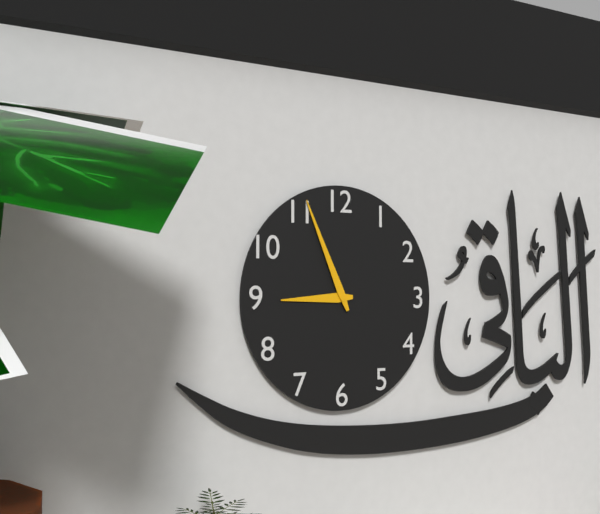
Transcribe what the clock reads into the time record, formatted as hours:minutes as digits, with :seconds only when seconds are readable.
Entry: 8:56
